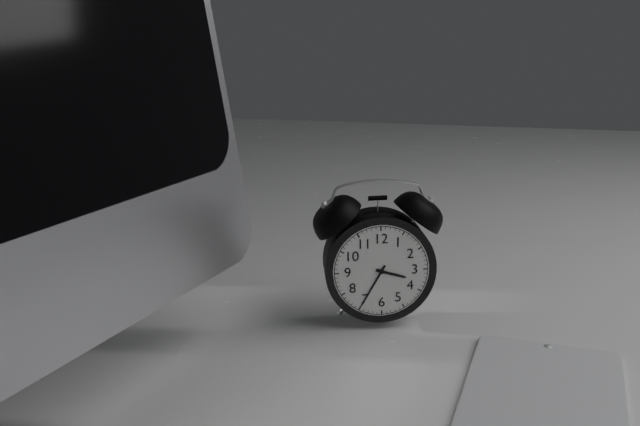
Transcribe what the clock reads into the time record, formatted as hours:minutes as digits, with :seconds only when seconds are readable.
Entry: 3:35
